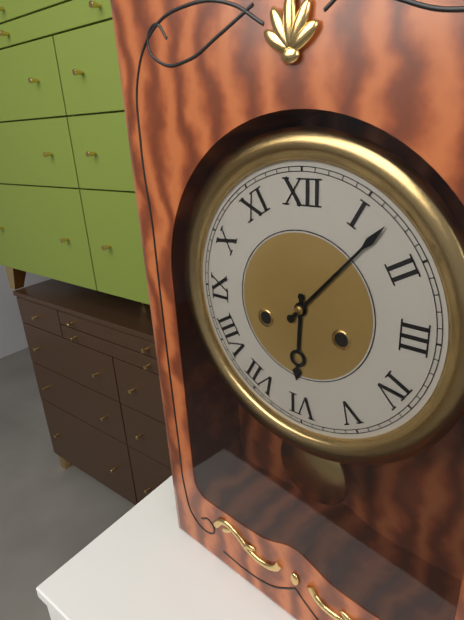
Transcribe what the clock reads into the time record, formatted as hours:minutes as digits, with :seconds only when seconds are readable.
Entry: 6:07
